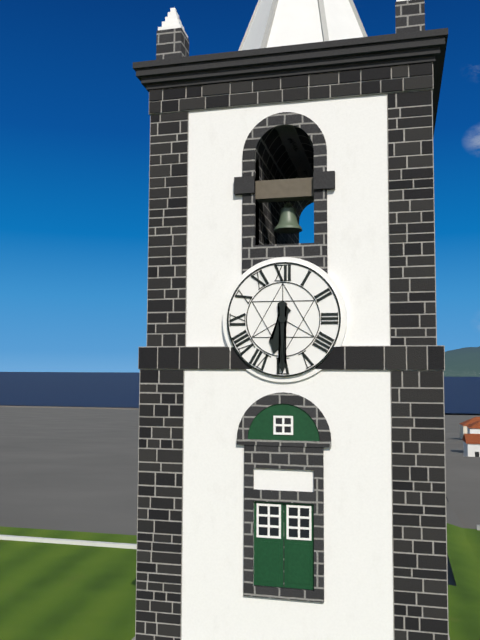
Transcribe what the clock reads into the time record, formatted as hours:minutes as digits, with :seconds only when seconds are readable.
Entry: 6:30
